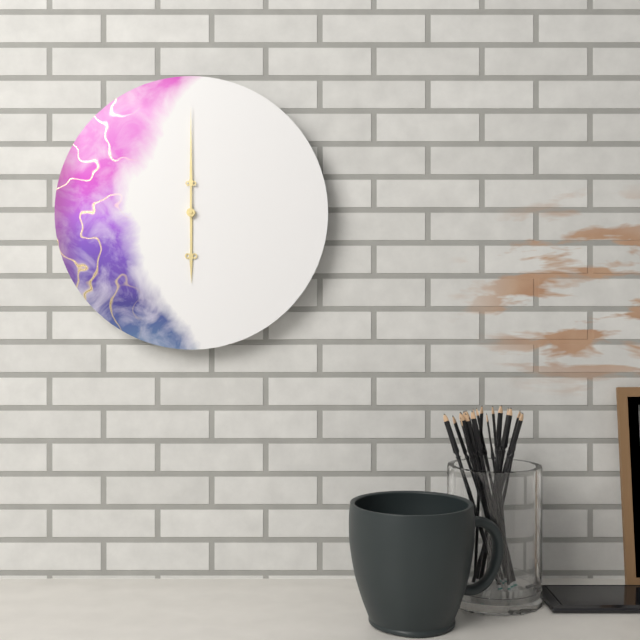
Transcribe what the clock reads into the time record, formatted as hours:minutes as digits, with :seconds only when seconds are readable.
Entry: 6:00
